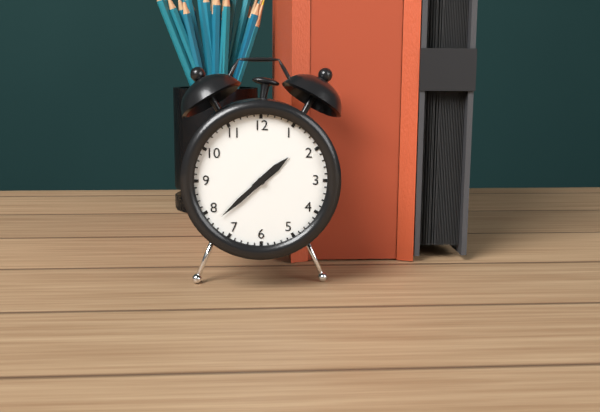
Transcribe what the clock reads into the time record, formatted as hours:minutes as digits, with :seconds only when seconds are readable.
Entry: 1:38
